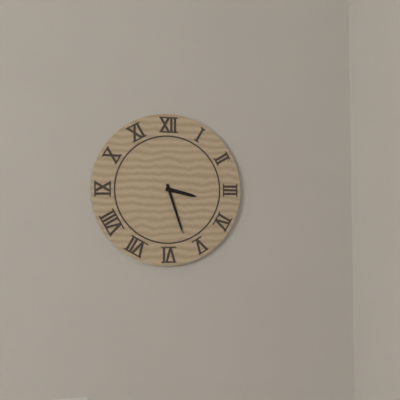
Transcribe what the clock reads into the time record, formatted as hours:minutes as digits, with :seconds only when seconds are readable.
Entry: 3:27
